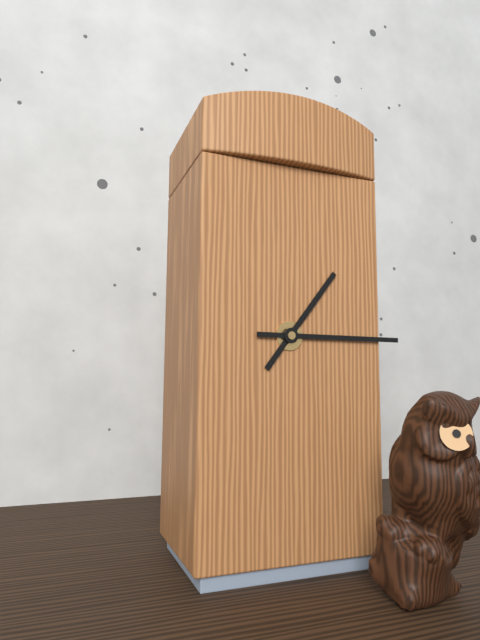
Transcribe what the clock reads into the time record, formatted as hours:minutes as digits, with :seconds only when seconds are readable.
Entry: 1:15
